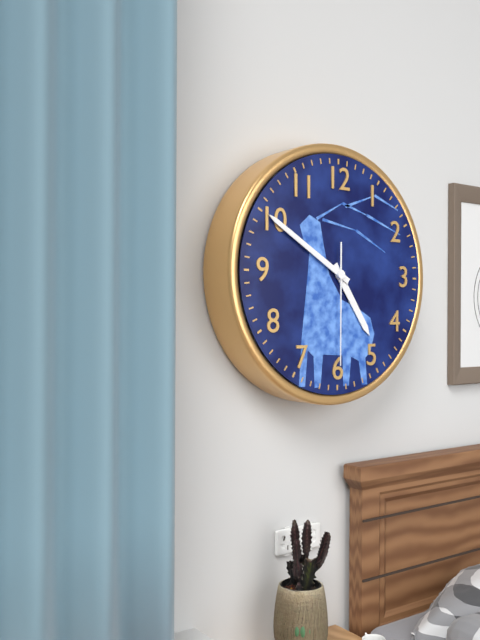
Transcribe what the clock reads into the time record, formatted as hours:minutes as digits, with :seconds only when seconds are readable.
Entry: 4:50:30
